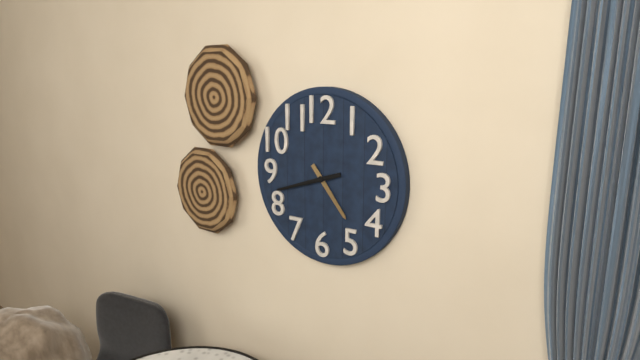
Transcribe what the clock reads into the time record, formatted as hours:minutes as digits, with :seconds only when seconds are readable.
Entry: 4:42
